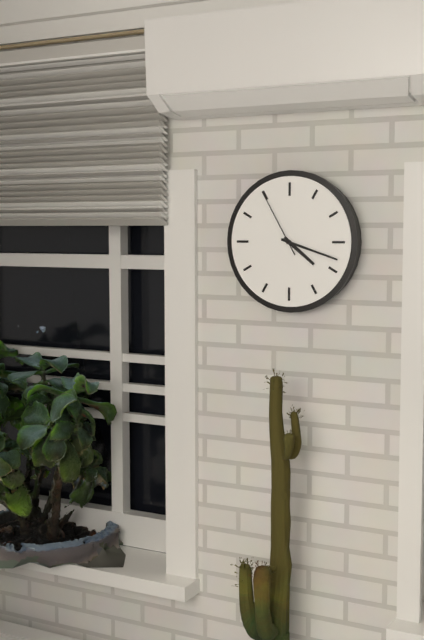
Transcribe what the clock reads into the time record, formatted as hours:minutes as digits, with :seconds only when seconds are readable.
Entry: 4:18:55
